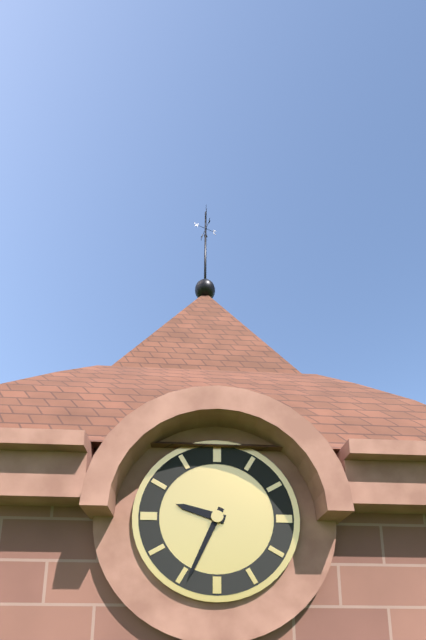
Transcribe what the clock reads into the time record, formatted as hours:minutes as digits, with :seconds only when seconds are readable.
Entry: 9:34
